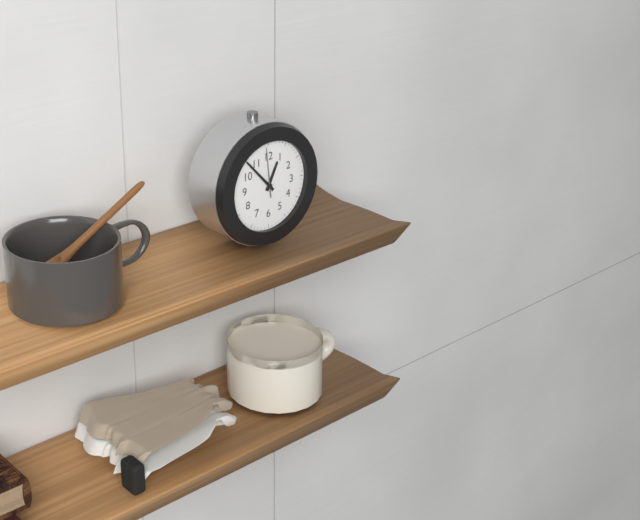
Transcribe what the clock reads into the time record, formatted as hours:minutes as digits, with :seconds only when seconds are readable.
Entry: 12:53
